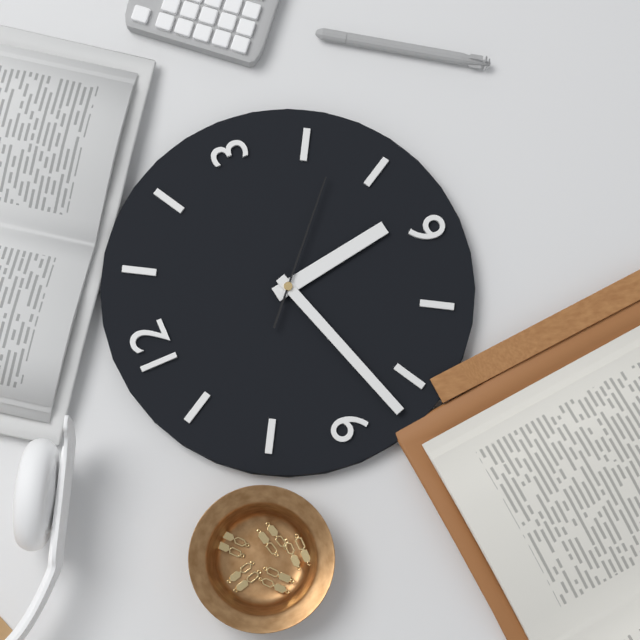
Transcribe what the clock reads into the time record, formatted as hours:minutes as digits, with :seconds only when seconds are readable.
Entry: 5:42:22
